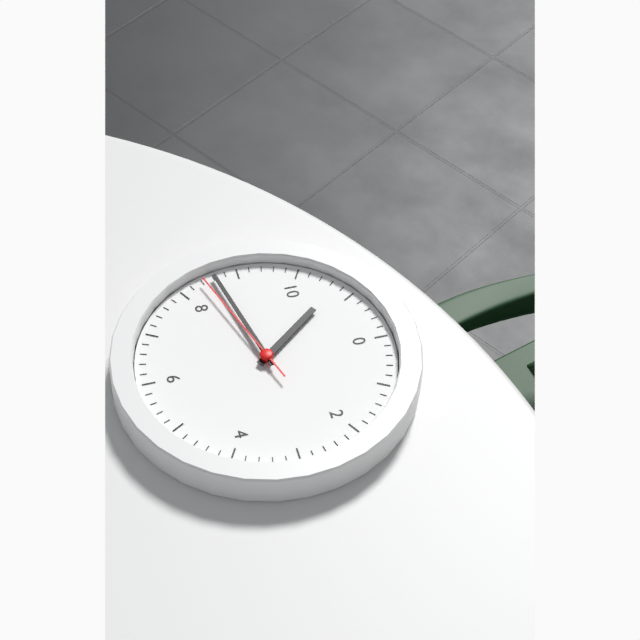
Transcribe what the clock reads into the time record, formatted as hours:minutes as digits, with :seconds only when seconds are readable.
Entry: 10:43:42
